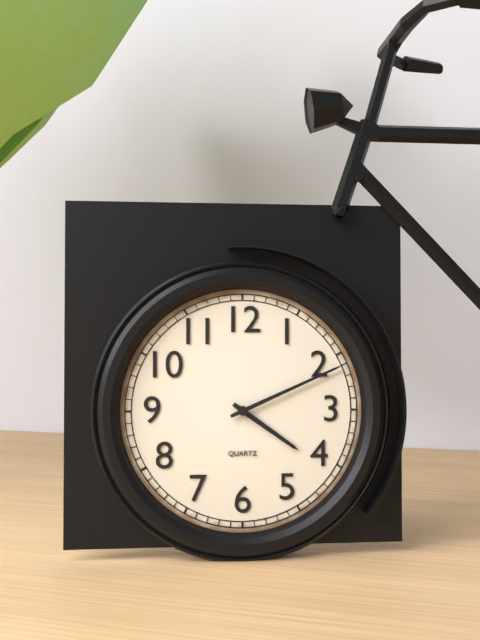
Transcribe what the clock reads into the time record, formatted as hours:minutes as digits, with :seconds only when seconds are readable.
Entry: 4:11
